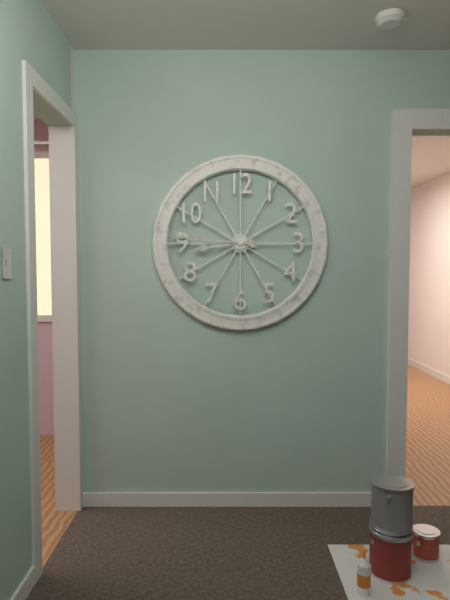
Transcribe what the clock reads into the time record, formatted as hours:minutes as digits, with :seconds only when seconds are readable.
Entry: 8:46
